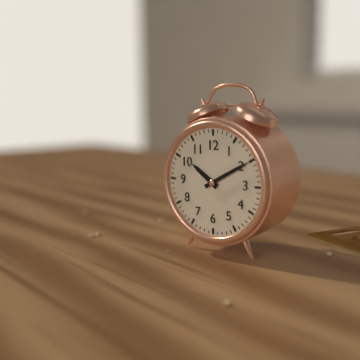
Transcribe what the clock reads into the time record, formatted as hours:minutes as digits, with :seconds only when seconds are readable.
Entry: 10:10
